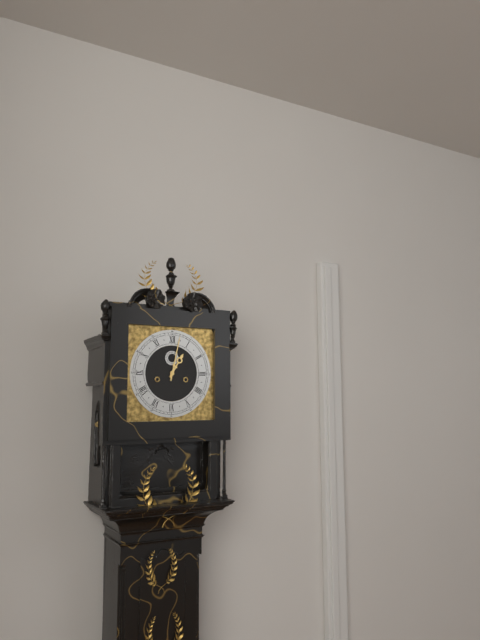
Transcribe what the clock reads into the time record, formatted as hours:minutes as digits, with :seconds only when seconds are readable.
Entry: 1:02
